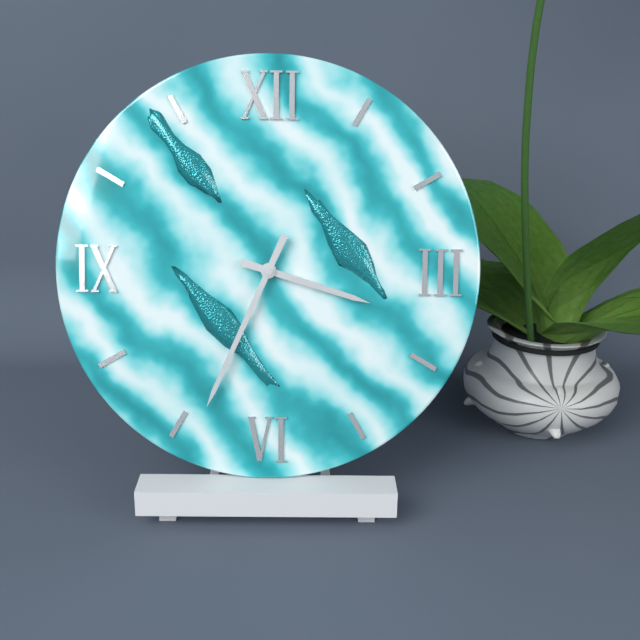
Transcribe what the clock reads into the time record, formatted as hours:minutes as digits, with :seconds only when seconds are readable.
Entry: 3:34
